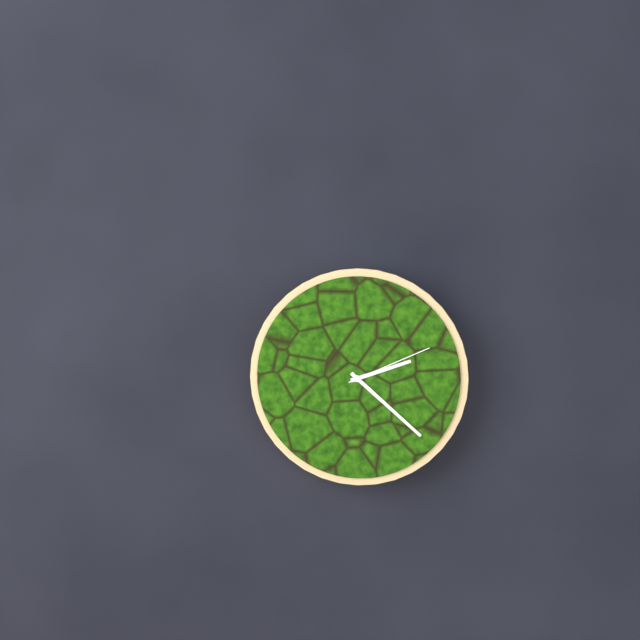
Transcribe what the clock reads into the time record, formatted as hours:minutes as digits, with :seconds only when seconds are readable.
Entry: 2:22:11
